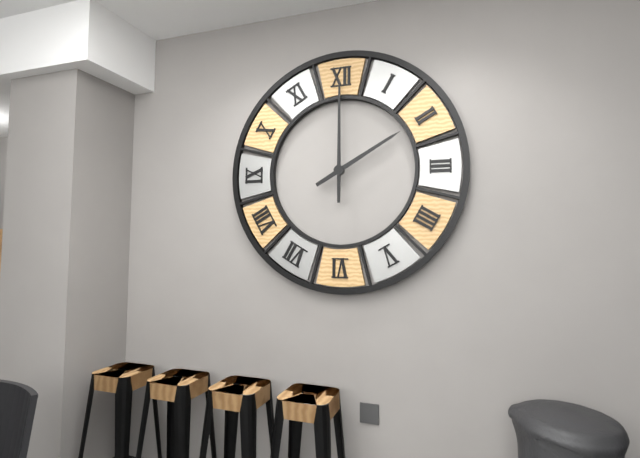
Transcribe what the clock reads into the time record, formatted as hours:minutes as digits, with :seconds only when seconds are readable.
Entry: 2:00
